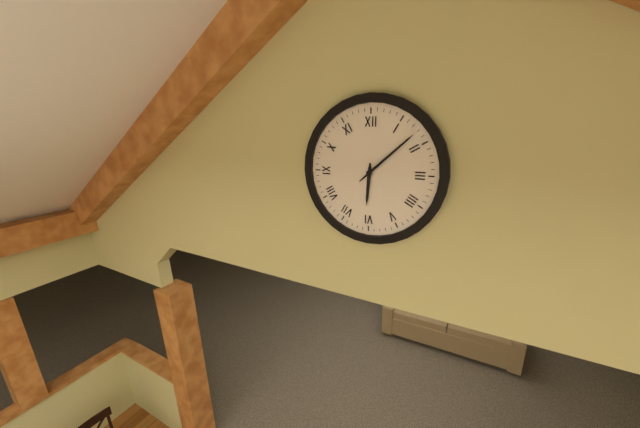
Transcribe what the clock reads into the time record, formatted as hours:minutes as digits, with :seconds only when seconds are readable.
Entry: 6:08
